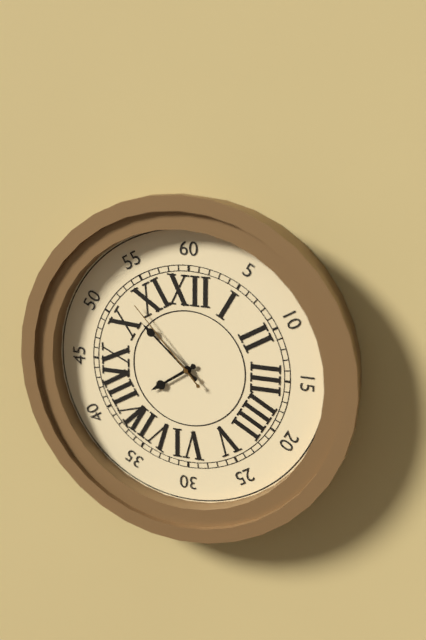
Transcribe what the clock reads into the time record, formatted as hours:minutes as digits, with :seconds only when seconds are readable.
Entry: 7:52:53
